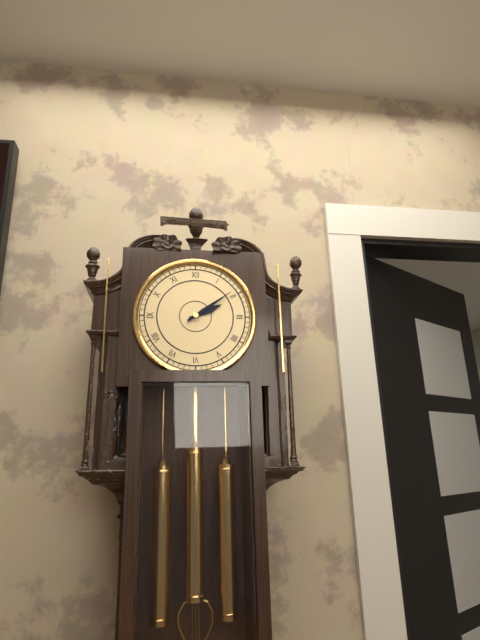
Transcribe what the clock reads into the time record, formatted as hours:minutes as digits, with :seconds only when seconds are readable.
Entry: 2:09
